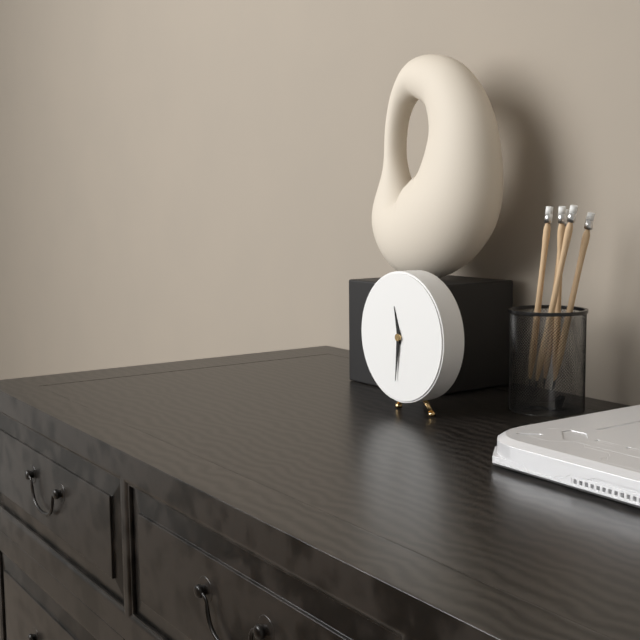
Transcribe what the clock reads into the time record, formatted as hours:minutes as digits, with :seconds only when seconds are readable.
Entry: 11:31
